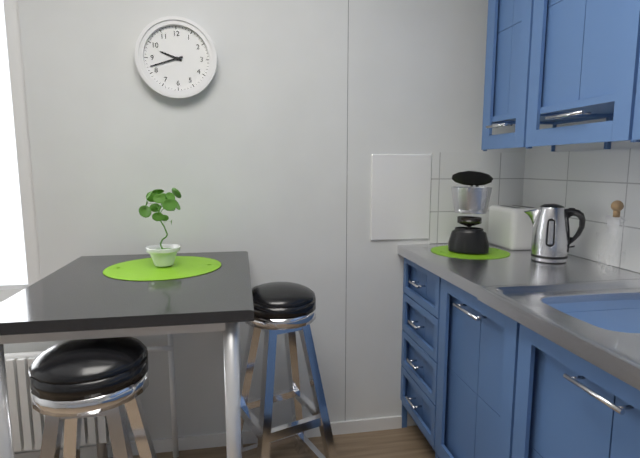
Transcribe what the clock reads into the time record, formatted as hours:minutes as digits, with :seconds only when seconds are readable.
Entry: 9:42
